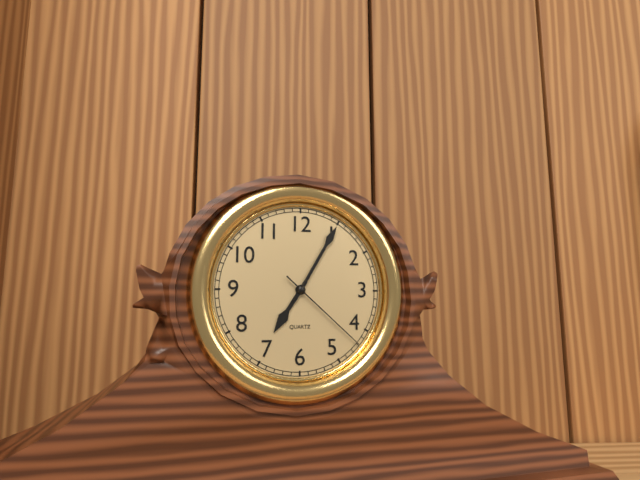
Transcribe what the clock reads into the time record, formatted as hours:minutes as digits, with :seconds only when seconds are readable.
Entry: 7:05:22
